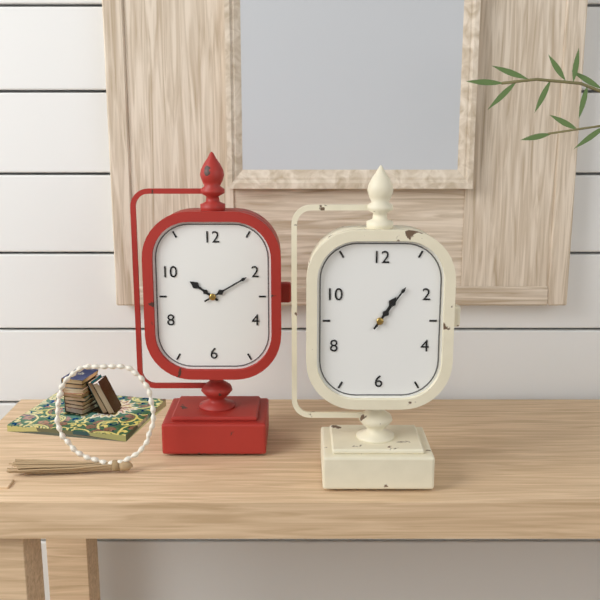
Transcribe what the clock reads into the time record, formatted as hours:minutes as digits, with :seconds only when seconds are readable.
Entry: 1:06
